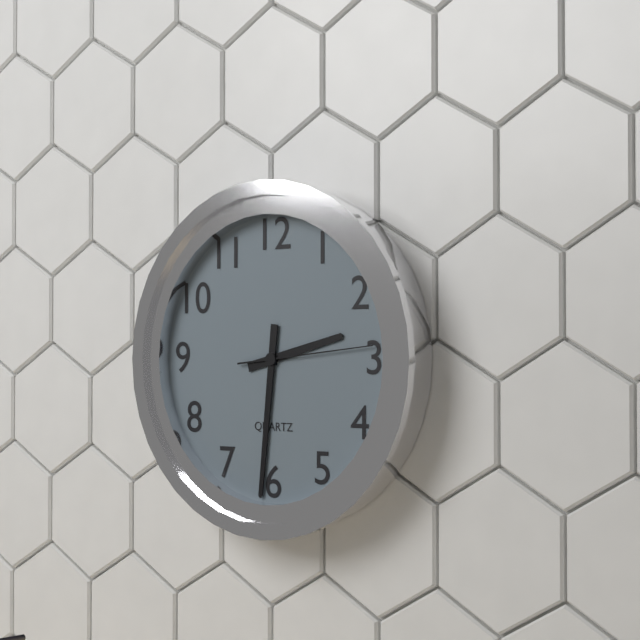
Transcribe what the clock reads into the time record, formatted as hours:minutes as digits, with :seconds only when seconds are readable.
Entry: 2:31:14
